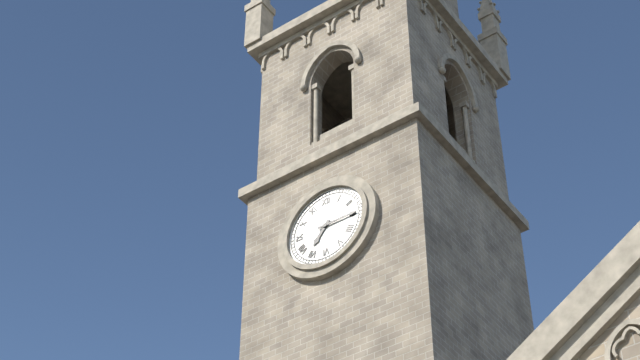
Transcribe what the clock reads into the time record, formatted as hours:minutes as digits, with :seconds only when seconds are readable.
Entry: 7:15
